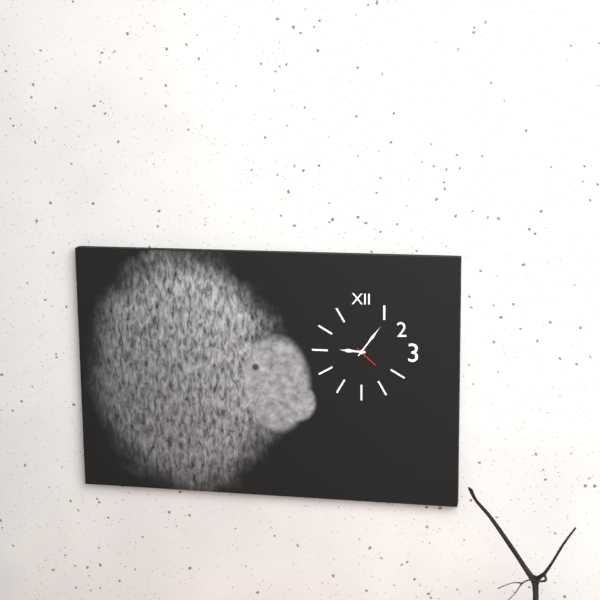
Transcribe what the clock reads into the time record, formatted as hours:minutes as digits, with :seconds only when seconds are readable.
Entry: 9:06
